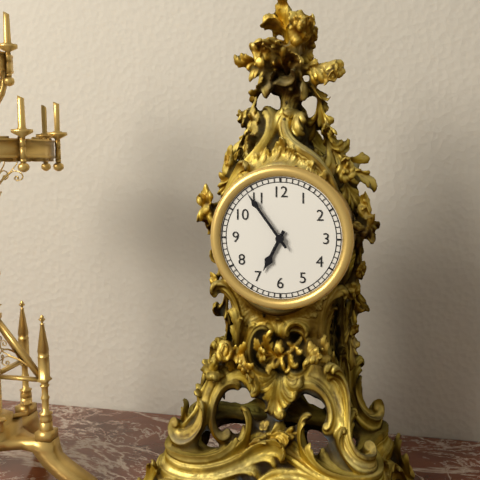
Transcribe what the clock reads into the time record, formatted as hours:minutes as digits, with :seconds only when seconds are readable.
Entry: 6:54
